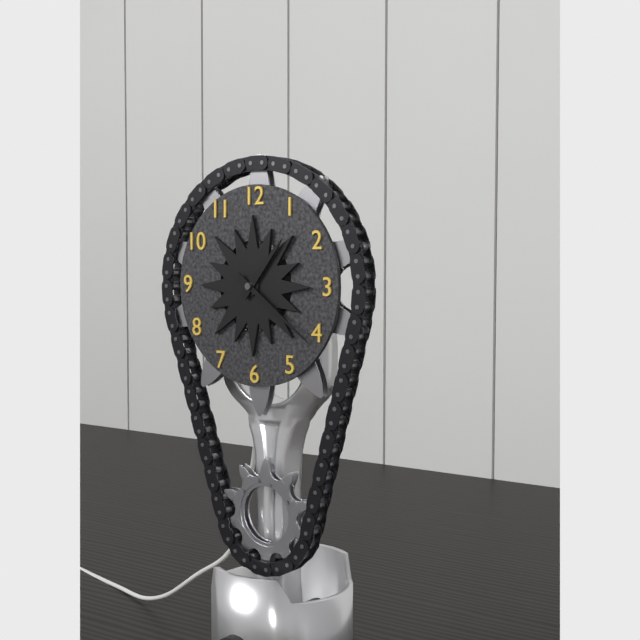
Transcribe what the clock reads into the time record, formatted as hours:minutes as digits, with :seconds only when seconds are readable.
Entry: 1:21
